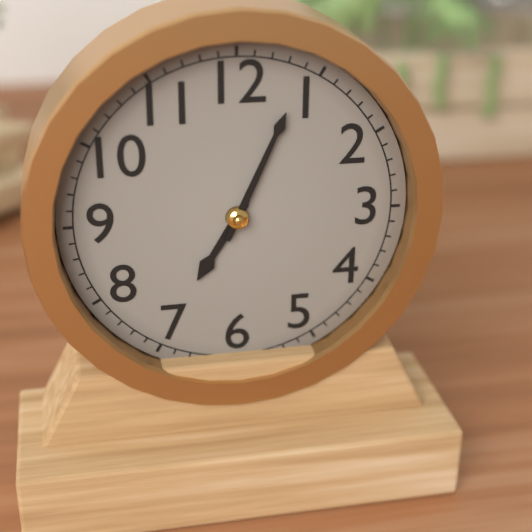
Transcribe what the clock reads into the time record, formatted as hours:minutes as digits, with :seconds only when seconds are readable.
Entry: 7:04
